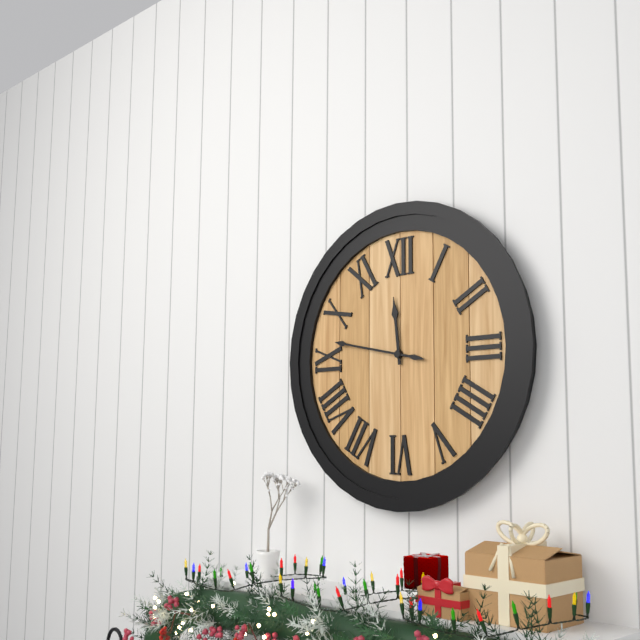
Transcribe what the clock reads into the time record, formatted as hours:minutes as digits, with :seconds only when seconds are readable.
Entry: 11:47
